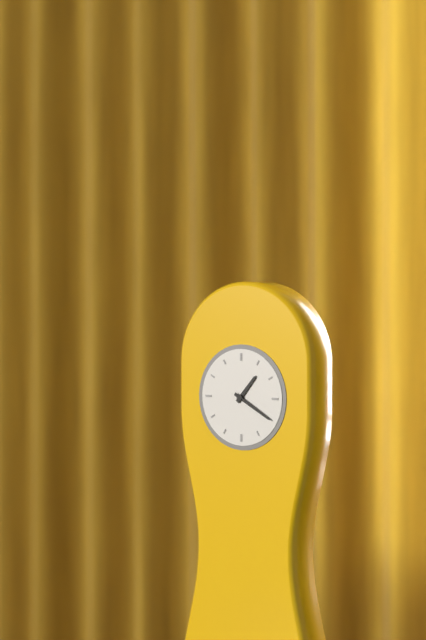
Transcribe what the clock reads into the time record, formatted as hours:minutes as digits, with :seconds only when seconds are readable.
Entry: 1:20
